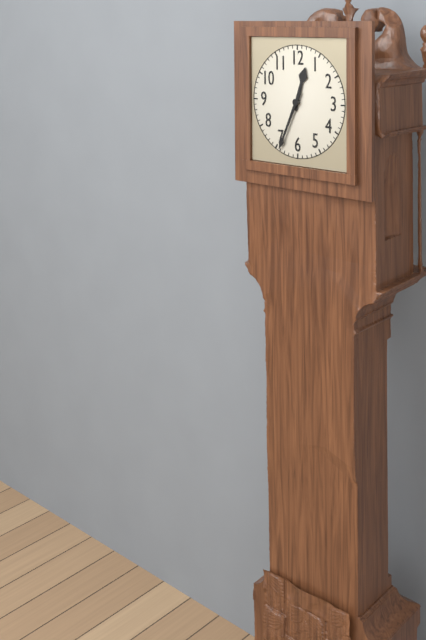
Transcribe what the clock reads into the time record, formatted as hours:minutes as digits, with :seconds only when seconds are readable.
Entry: 12:34
